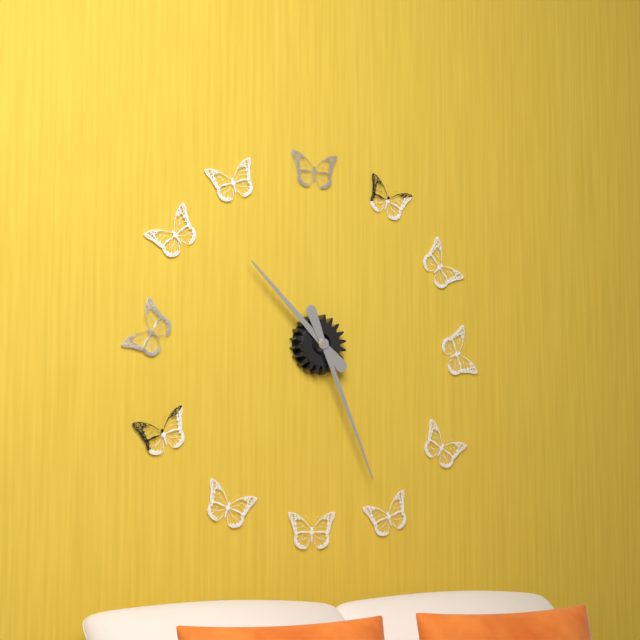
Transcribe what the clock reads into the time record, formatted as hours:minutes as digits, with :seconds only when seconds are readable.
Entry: 10:26
